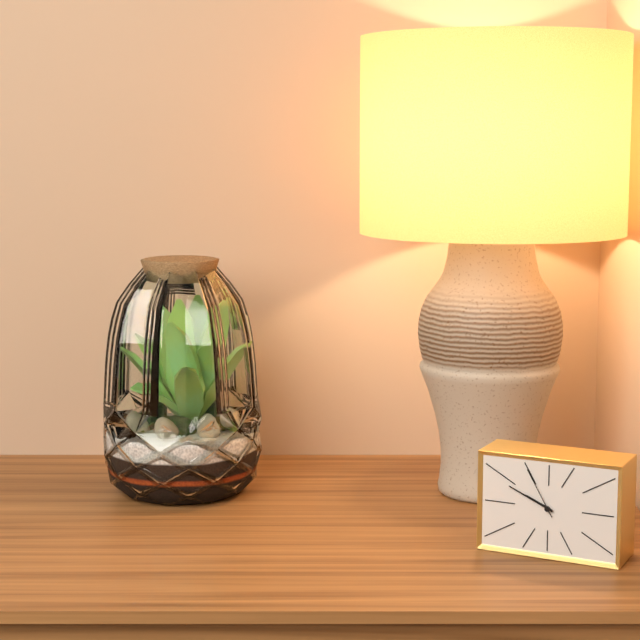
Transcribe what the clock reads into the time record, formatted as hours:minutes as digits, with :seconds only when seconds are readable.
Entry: 9:49:55
